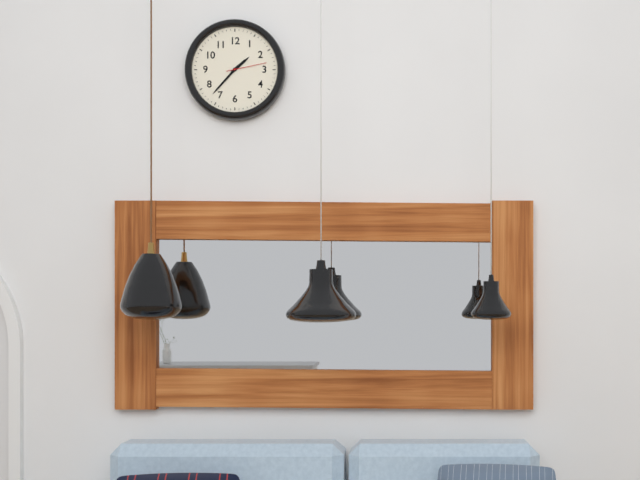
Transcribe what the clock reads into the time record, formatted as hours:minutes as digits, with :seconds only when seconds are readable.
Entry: 1:37
